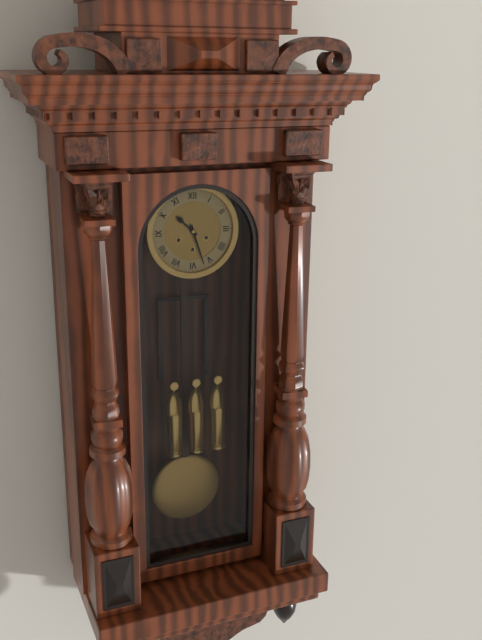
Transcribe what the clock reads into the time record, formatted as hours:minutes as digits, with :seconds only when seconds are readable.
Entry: 10:27
